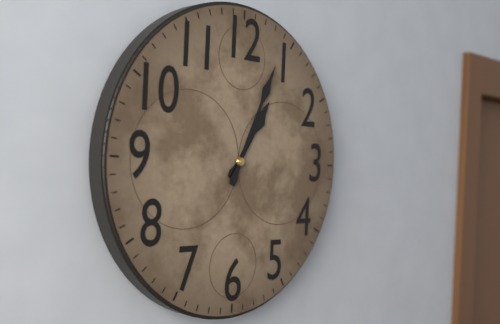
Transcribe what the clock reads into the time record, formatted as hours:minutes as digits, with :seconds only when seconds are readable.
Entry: 1:04
